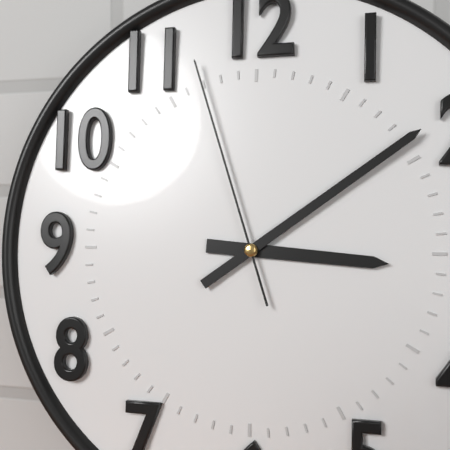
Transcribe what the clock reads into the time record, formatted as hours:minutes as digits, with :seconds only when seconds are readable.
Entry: 3:09:57
